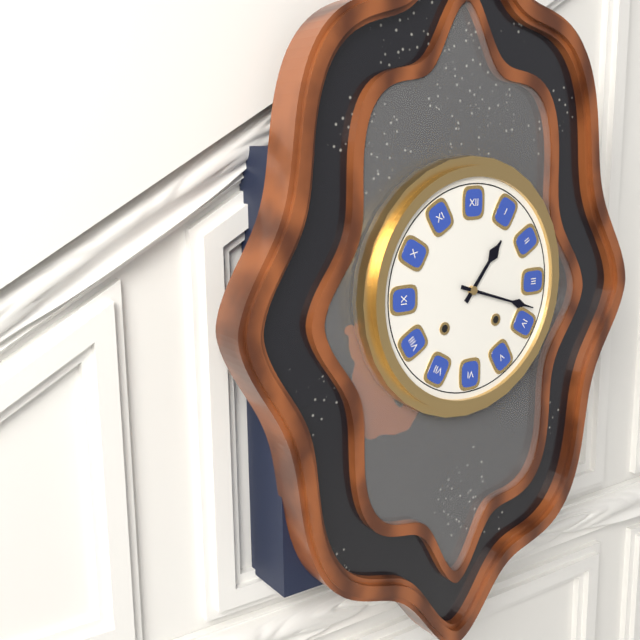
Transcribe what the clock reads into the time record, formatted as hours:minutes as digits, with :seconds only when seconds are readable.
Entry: 1:18
